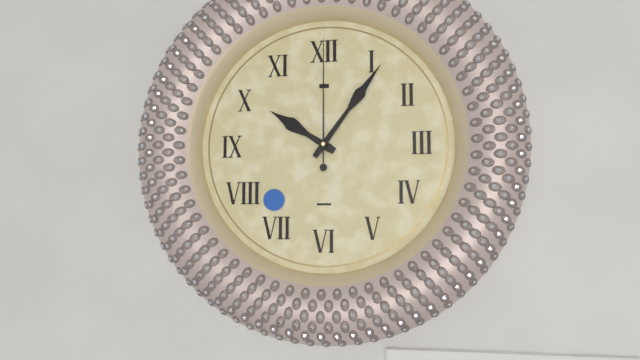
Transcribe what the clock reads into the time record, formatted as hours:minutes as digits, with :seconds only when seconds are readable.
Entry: 10:06:00
